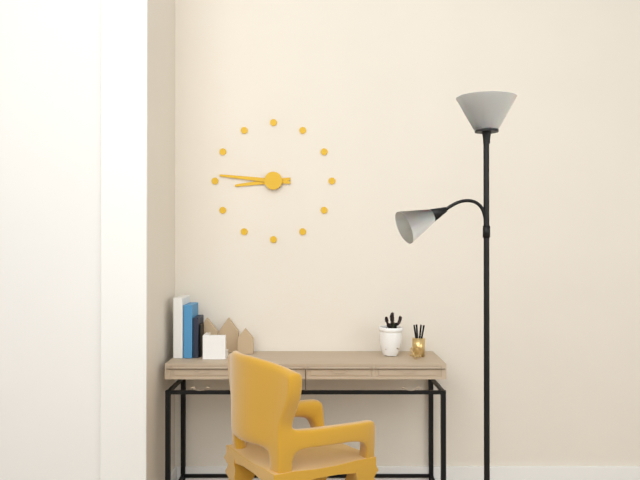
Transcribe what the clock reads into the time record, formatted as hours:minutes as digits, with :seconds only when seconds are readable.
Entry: 8:46
